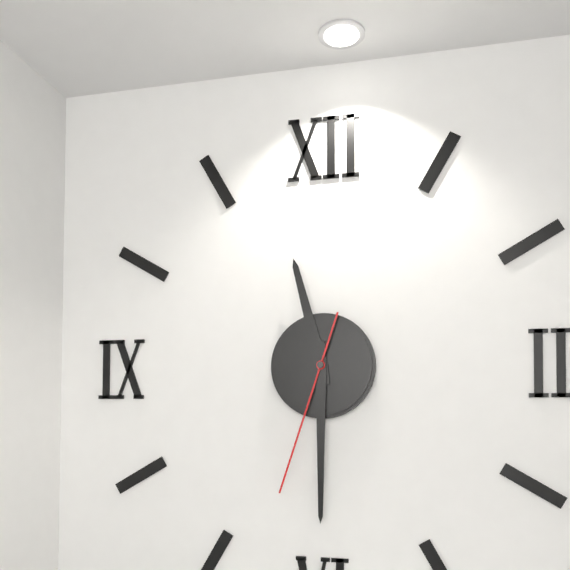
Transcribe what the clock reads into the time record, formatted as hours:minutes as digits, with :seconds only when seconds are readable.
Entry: 11:30:33
